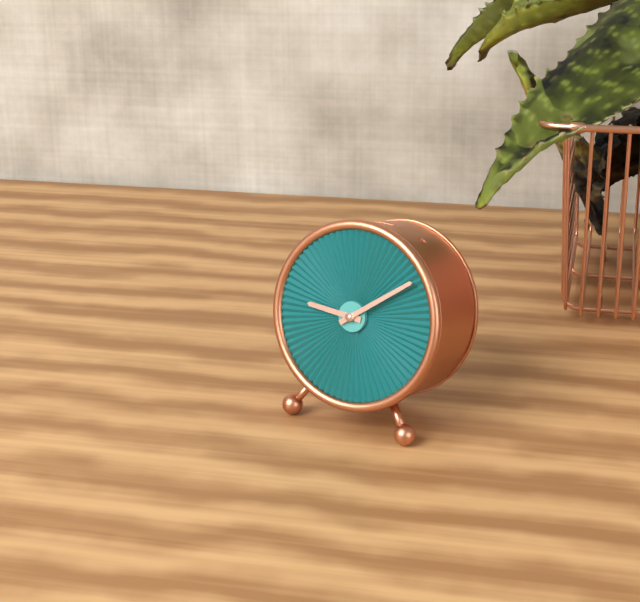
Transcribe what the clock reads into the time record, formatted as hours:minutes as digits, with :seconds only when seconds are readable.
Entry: 9:09
